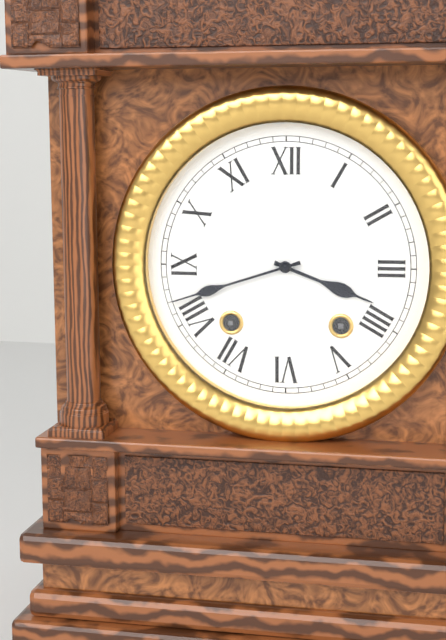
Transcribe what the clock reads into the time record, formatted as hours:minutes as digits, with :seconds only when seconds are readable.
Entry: 3:42
